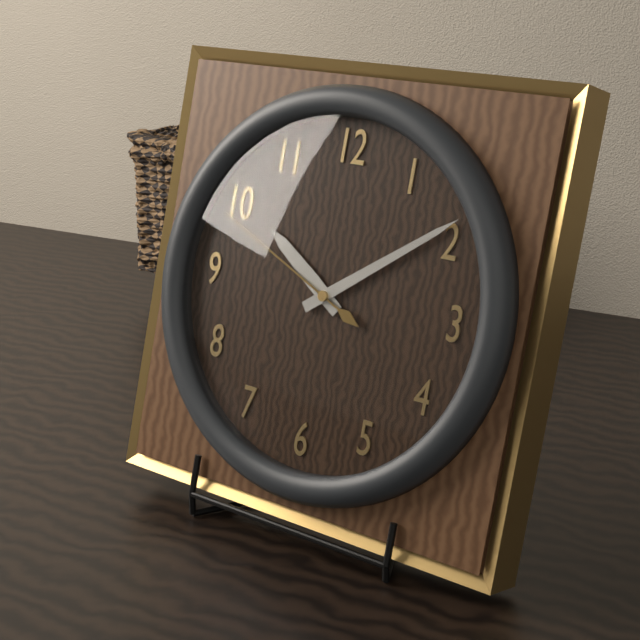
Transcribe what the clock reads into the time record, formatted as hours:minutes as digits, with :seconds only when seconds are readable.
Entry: 10:09:49
